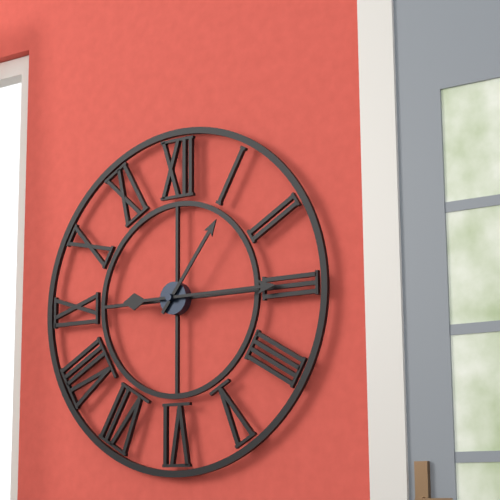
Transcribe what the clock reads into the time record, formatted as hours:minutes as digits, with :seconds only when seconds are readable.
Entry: 1:15
